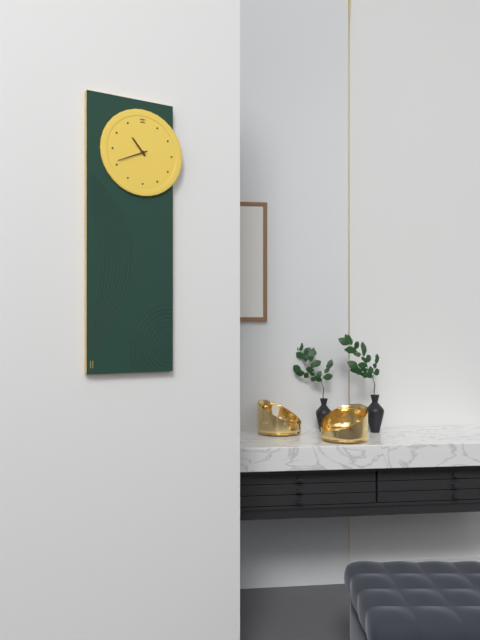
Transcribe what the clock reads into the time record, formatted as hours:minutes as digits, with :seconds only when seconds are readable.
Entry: 10:41
